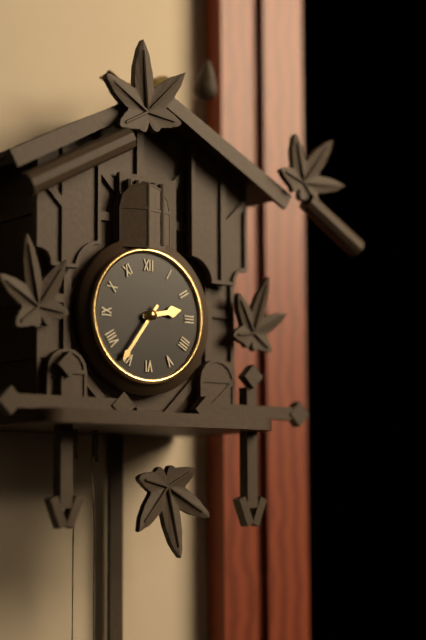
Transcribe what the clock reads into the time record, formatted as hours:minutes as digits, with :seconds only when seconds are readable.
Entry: 2:36
